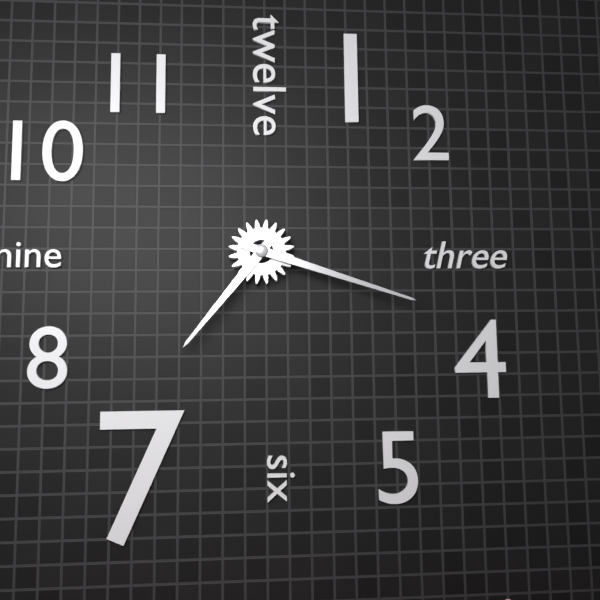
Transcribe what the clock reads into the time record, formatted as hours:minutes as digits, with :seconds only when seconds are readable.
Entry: 7:18
